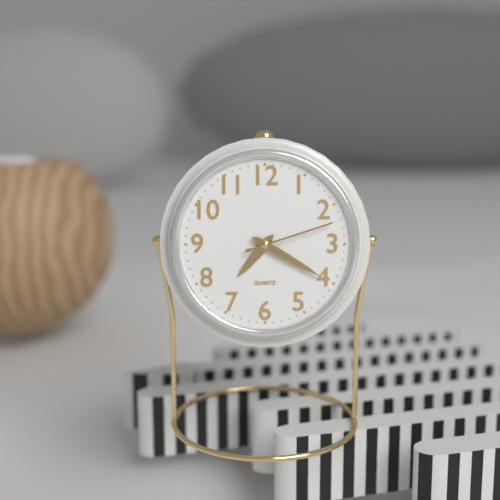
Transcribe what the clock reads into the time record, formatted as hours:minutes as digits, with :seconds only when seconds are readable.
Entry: 7:20:12
